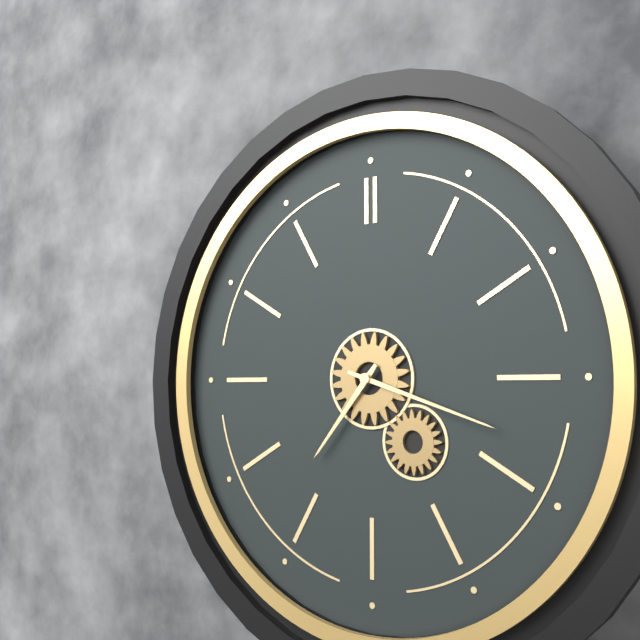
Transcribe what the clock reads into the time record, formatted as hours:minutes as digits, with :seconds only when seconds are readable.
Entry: 7:18
